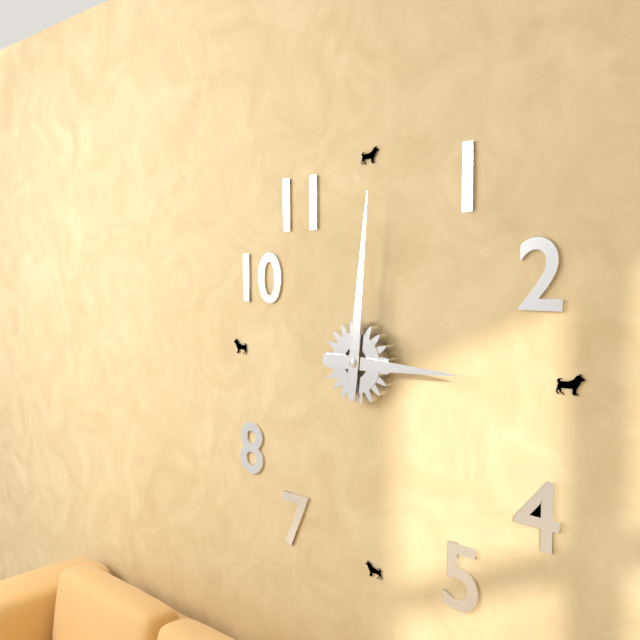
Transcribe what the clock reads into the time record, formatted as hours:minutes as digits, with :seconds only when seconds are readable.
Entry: 3:01
